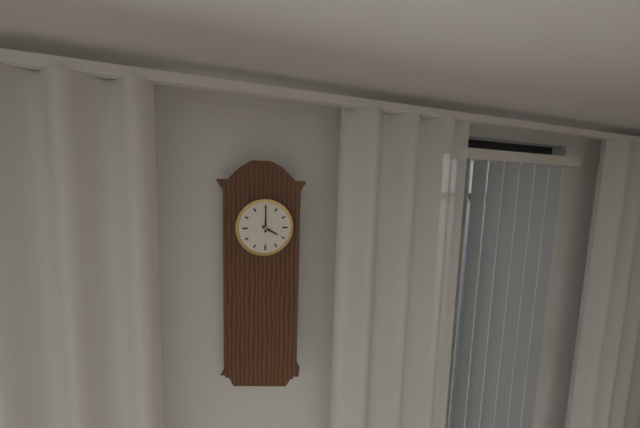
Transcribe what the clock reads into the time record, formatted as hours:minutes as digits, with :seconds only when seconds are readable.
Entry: 4:00
